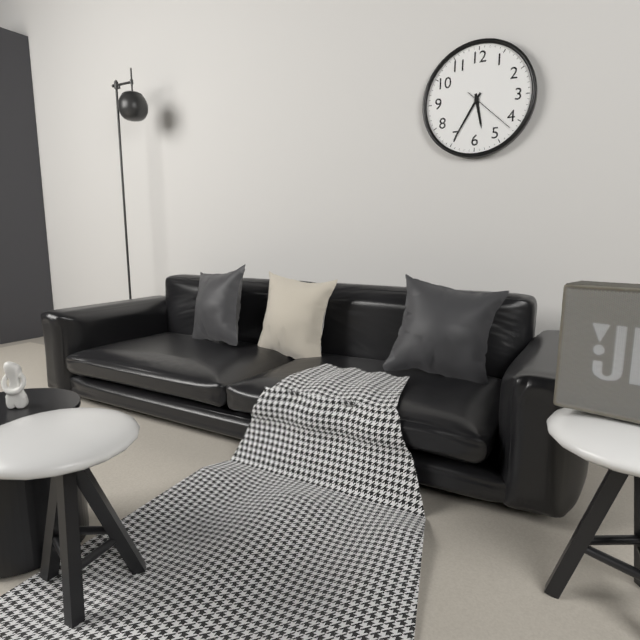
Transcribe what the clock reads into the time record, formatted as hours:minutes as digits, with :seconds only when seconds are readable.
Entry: 5:35:22
